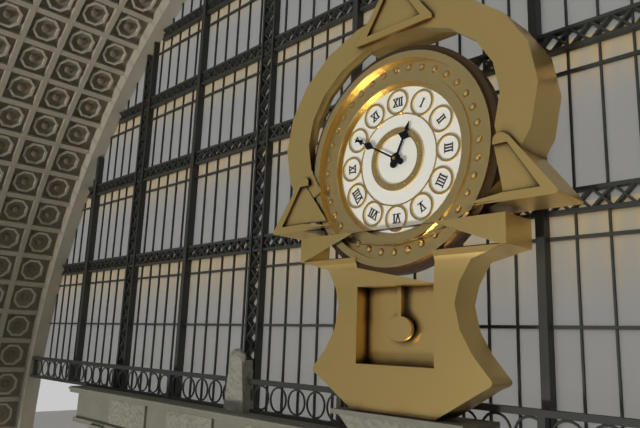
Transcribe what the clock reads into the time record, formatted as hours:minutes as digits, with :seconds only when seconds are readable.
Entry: 12:50
